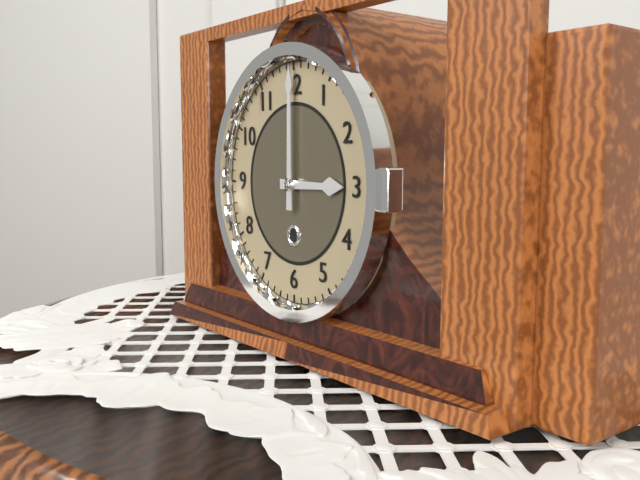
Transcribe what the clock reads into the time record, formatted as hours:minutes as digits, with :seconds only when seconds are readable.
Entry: 3:00
